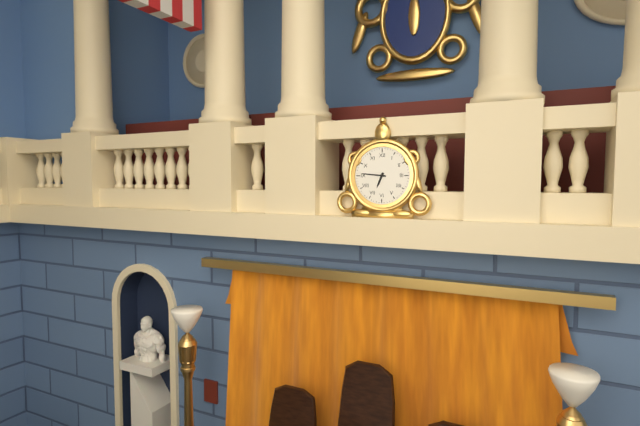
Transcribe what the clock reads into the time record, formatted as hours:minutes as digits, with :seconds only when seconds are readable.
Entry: 6:46
